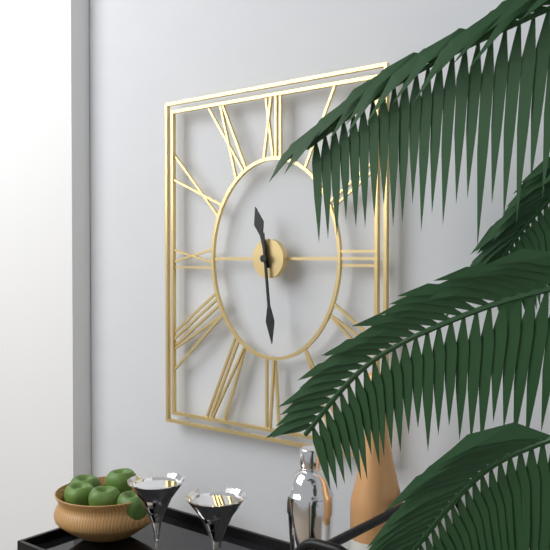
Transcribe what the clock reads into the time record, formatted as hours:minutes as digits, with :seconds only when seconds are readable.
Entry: 11:29
